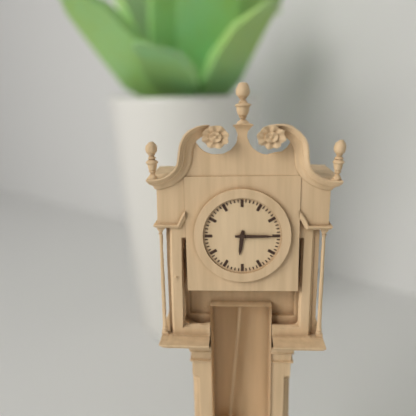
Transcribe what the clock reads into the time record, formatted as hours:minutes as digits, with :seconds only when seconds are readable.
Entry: 6:15
